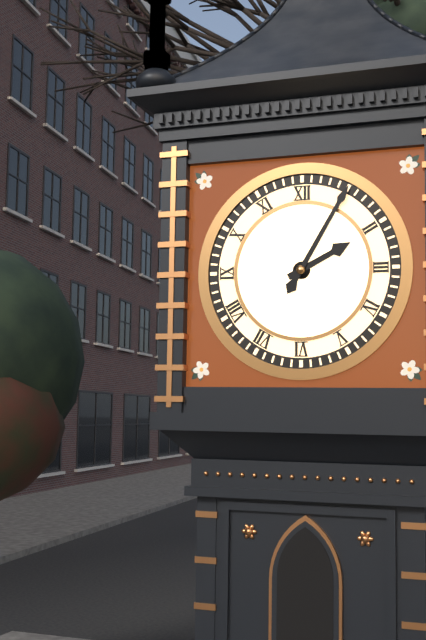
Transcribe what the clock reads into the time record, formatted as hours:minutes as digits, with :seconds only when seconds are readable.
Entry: 2:05
